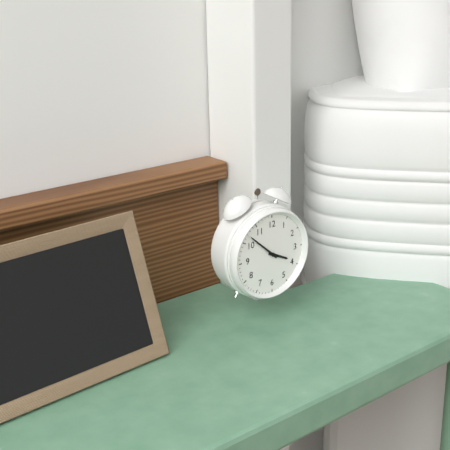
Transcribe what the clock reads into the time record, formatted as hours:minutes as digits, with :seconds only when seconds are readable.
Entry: 3:52
